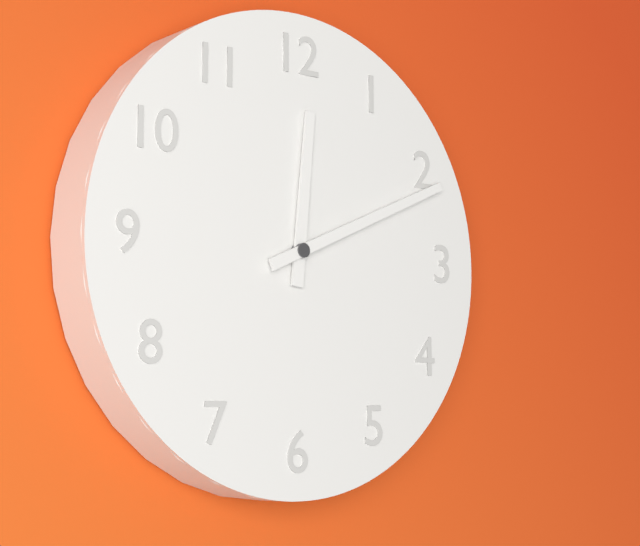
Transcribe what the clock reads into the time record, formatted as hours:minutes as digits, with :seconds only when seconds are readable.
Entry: 12:11
